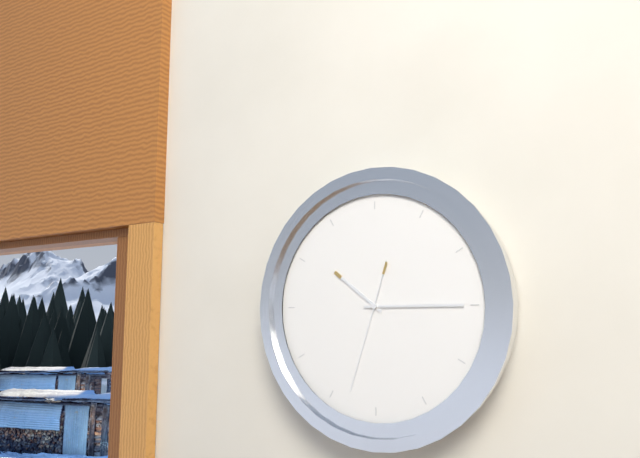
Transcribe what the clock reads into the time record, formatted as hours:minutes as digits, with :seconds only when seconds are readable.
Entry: 10:15:33
